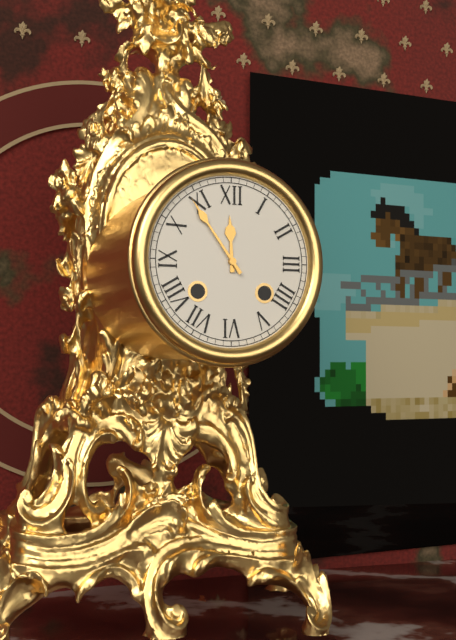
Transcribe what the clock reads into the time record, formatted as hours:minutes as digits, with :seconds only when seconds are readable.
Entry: 11:54
